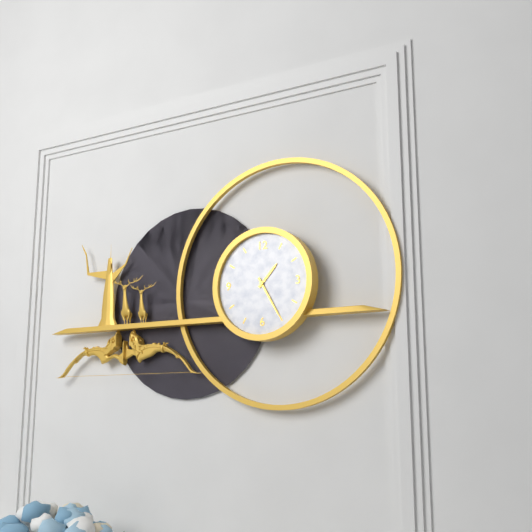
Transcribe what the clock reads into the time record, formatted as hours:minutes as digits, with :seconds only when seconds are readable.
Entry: 1:25
